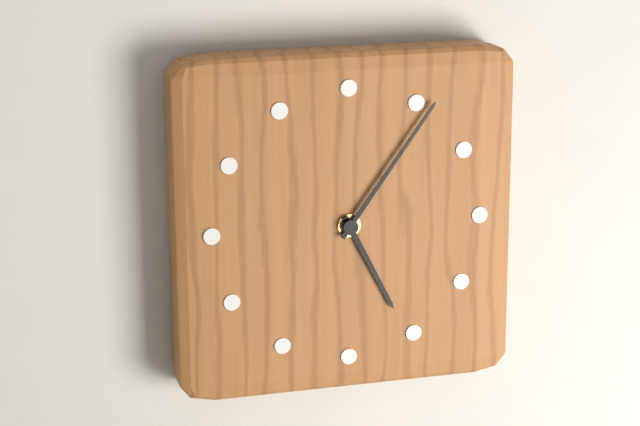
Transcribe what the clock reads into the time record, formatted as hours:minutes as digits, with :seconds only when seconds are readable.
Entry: 5:06
